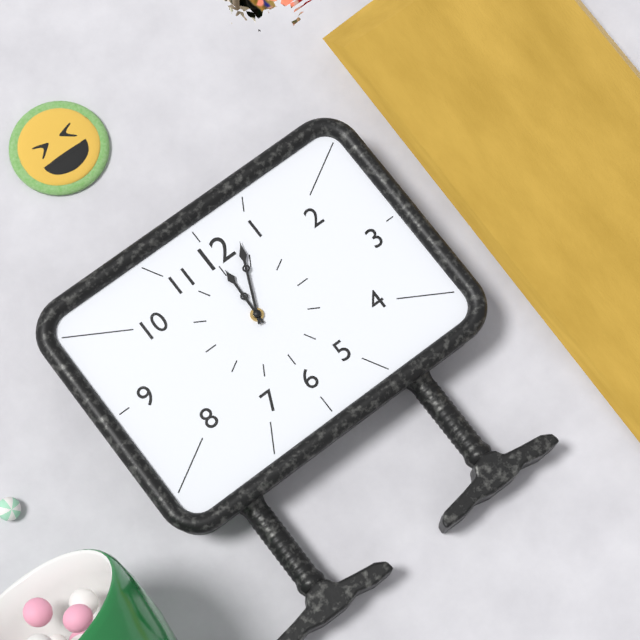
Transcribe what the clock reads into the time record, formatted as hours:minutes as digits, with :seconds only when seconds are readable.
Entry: 12:04
